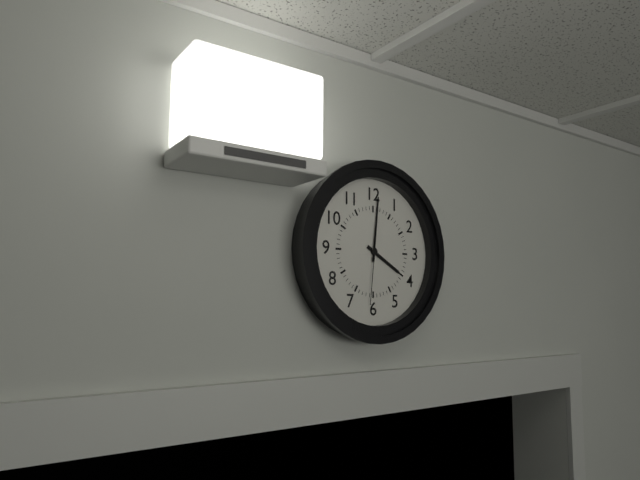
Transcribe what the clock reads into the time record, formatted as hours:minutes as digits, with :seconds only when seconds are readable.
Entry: 4:01:31
